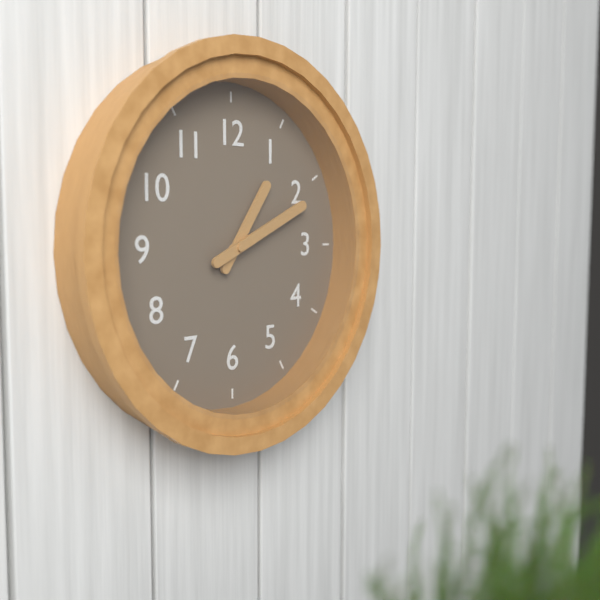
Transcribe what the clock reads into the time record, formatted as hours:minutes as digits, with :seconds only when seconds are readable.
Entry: 1:11
